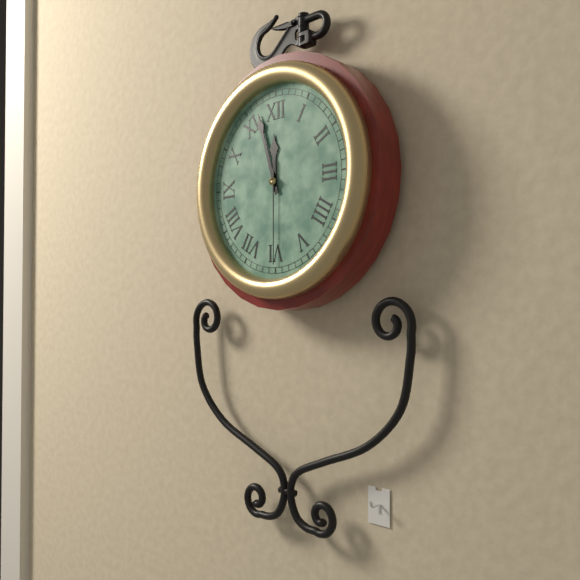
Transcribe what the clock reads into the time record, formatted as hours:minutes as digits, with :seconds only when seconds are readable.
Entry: 11:57:30
